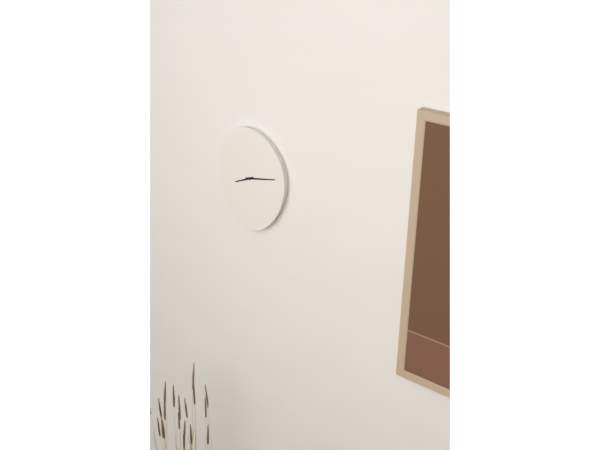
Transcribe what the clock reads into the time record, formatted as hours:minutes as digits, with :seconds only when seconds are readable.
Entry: 8:13
